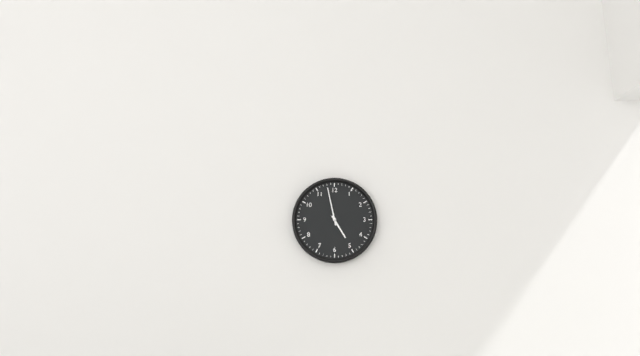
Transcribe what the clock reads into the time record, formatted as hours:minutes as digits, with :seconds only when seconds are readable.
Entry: 4:58
